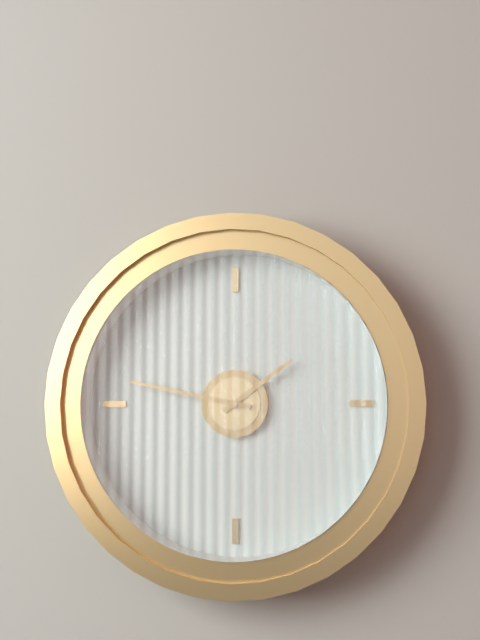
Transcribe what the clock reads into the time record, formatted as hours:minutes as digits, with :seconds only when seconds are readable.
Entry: 1:47
